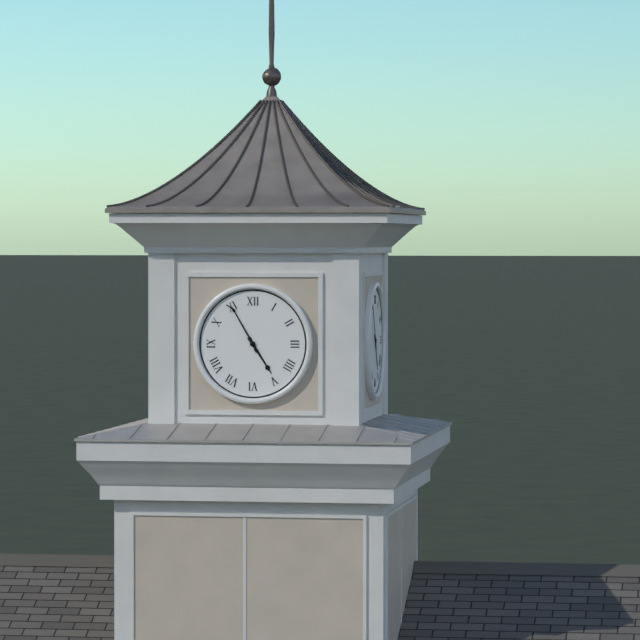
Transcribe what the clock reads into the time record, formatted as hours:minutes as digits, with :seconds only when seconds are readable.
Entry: 4:55
